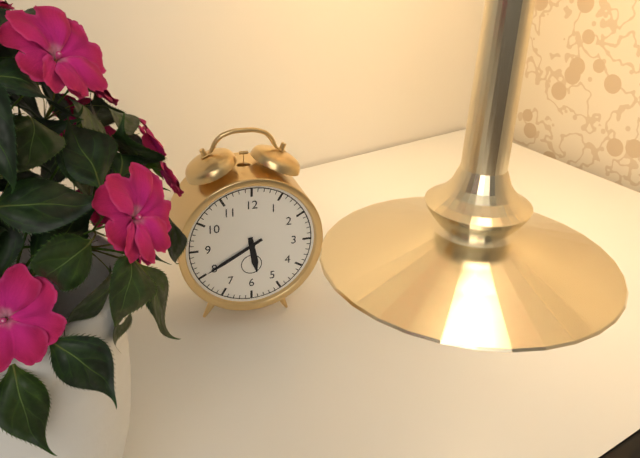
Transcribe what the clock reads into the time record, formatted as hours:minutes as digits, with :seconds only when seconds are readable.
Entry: 5:40
